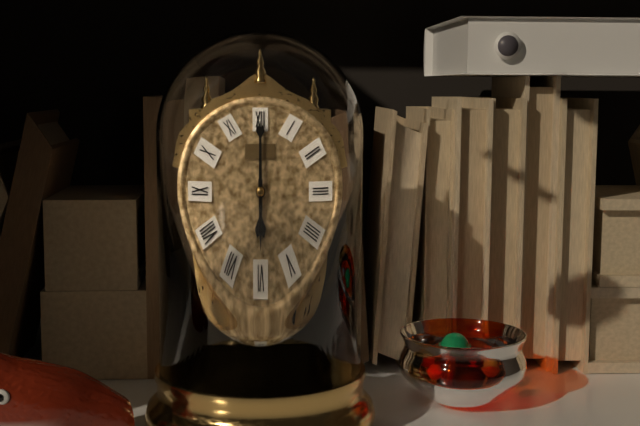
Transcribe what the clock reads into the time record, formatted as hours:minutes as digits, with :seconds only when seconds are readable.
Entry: 6:00
